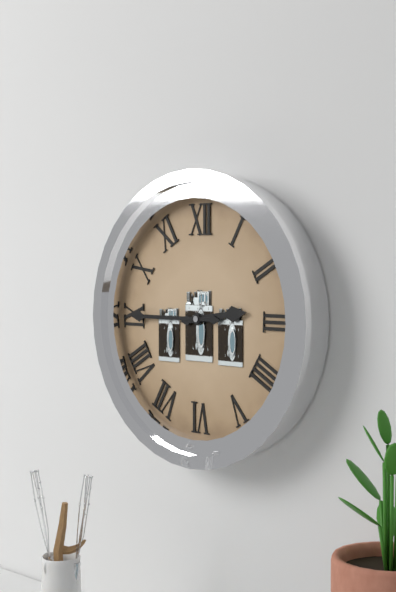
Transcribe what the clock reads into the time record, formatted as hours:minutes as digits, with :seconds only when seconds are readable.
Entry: 2:45
